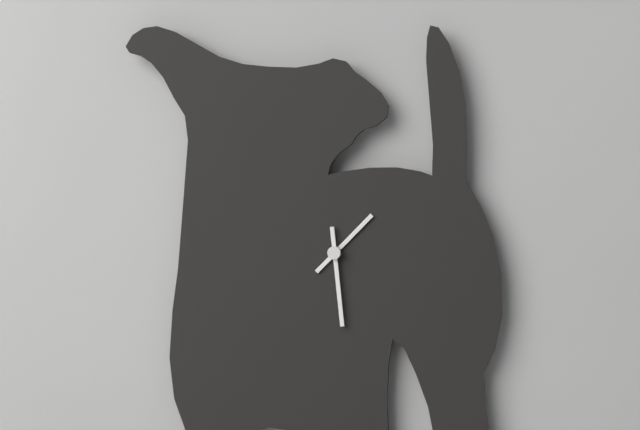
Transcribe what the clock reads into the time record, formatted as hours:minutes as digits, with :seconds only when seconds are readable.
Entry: 1:29
